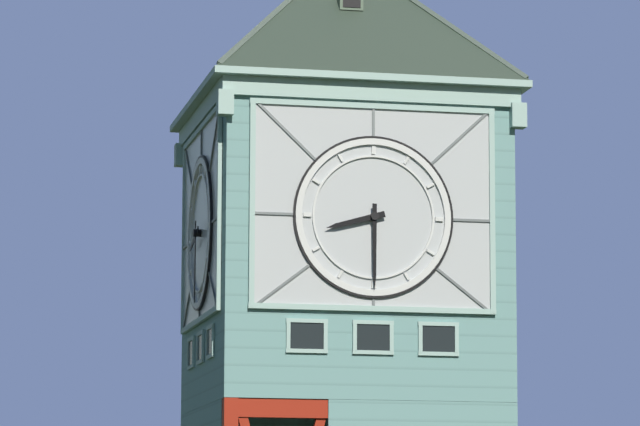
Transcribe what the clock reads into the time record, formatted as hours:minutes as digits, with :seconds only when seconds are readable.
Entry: 8:30
